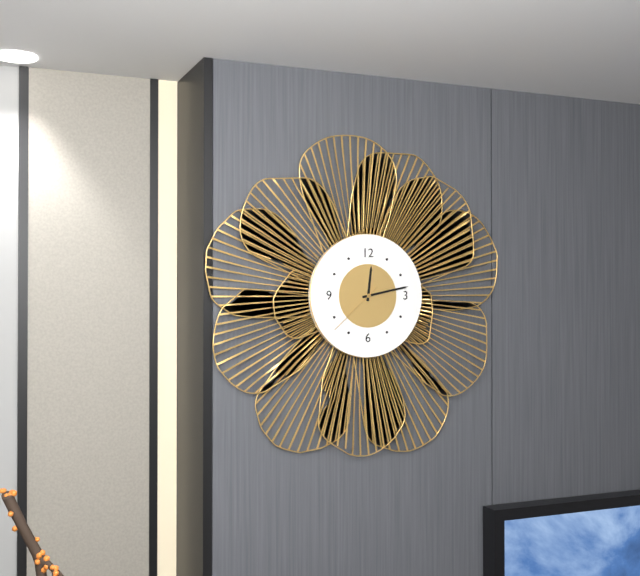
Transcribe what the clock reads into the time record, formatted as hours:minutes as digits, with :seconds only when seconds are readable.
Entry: 12:13:38
